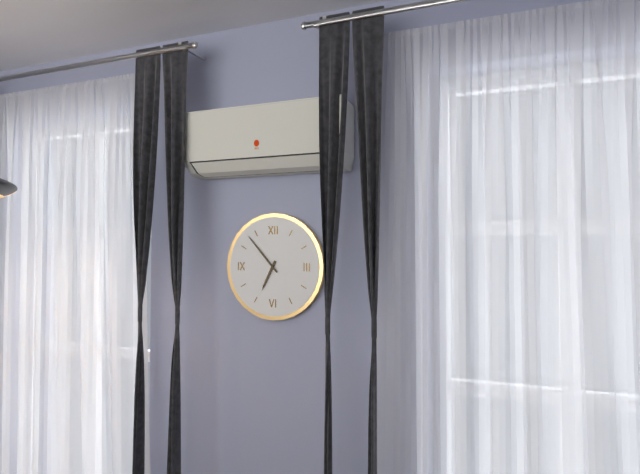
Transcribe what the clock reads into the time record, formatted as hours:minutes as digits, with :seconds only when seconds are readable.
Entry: 6:53
